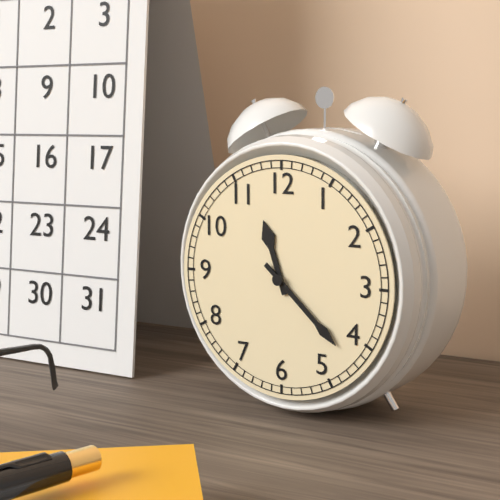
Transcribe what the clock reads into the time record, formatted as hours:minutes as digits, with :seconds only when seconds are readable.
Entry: 11:22
